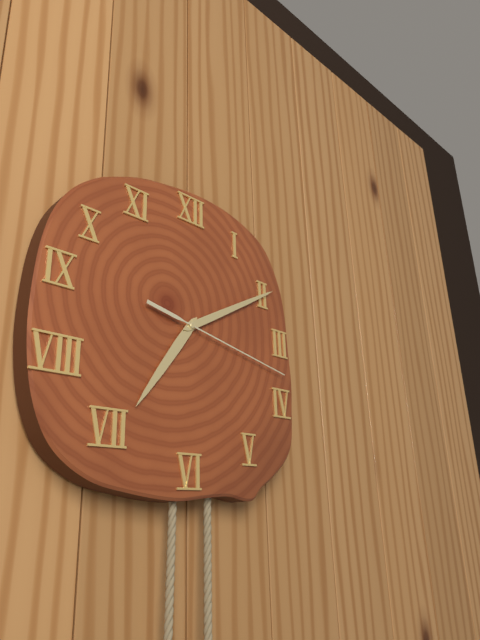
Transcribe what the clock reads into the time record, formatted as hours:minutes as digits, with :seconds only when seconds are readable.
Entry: 7:10:17
